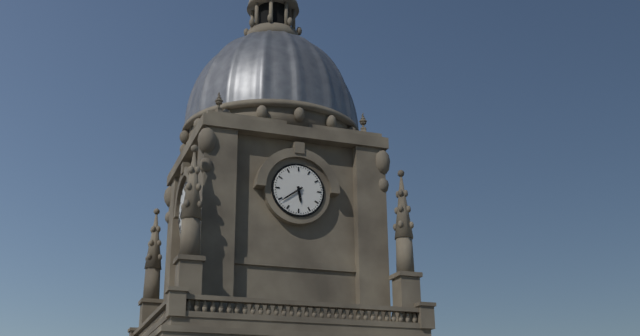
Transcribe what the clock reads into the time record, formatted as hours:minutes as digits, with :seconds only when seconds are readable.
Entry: 5:39
